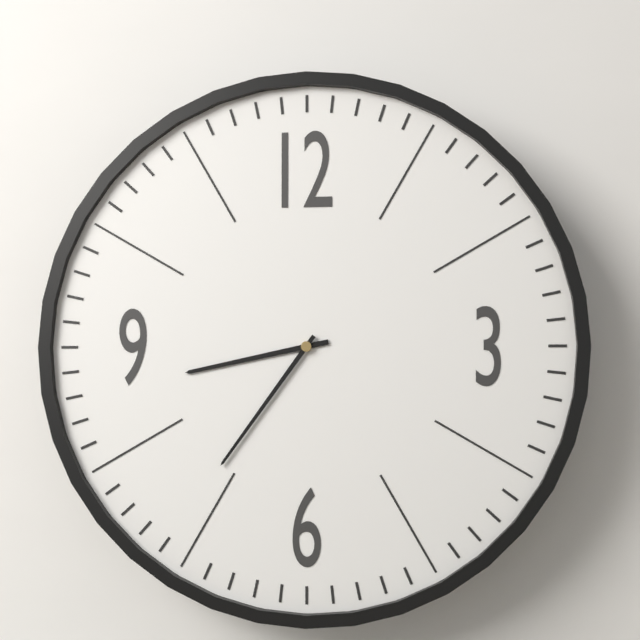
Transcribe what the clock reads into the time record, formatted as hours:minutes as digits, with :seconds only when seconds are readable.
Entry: 8:36
